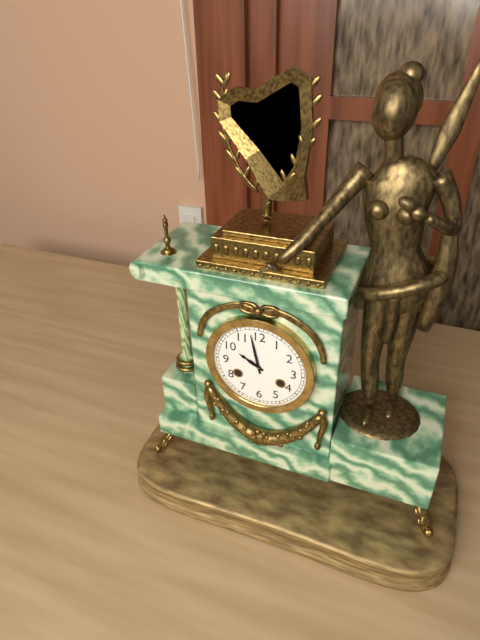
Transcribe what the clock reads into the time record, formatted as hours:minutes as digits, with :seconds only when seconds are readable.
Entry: 9:58
